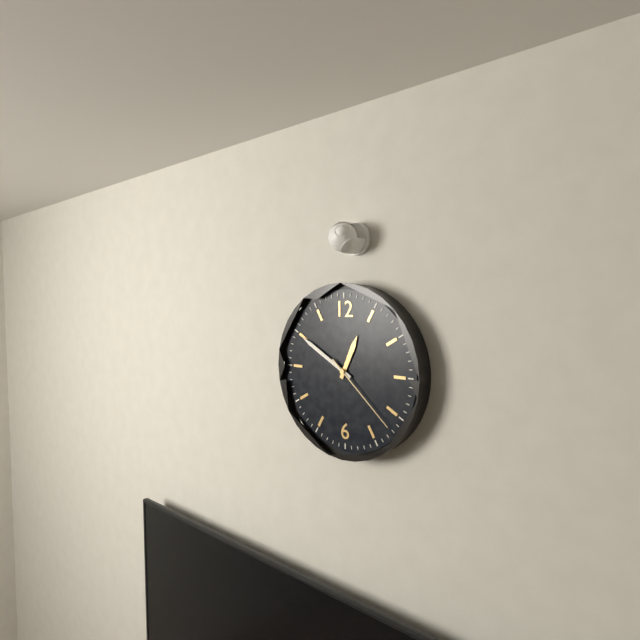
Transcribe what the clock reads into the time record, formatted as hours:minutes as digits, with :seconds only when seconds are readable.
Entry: 12:50:22
